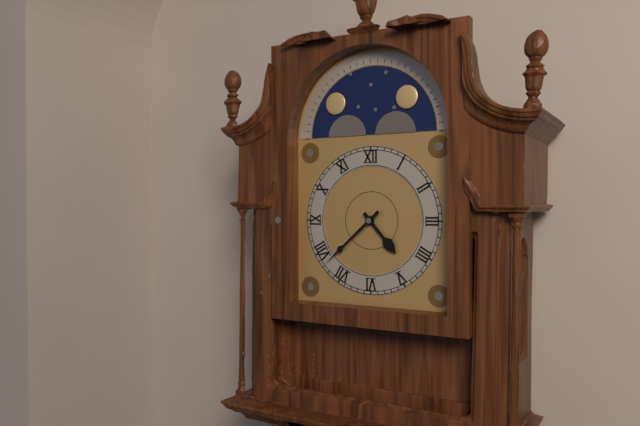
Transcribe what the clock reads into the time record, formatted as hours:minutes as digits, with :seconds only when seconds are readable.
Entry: 4:38
